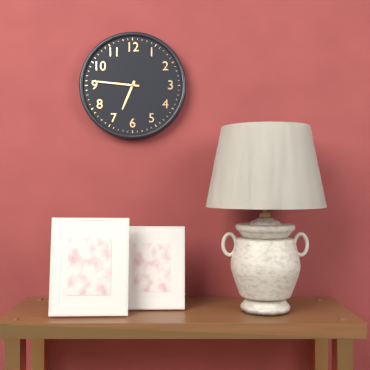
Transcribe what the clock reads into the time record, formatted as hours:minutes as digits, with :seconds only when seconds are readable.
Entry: 6:46
